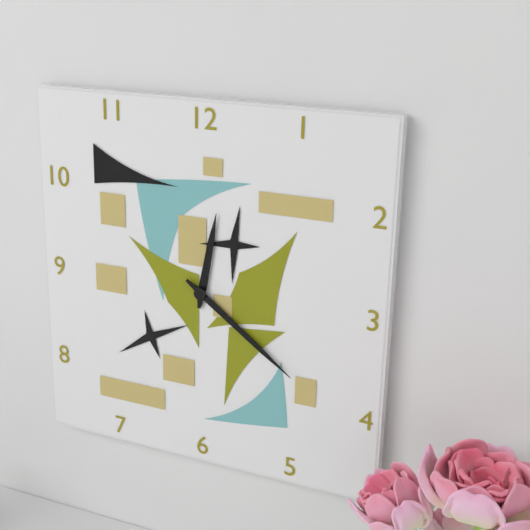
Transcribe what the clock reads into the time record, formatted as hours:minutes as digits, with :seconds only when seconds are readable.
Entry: 12:21
